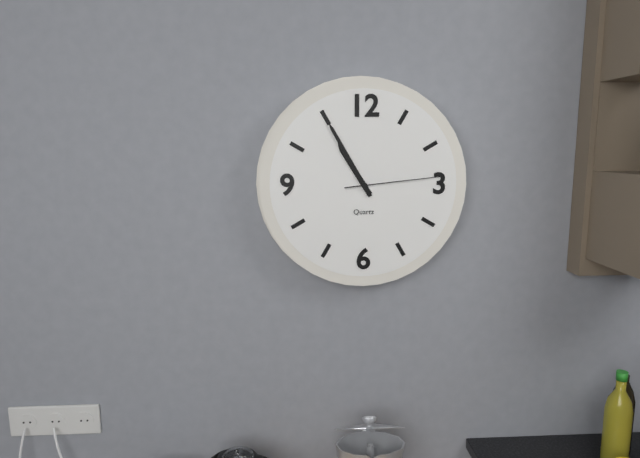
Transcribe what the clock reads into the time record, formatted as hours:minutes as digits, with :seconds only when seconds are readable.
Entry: 10:55:14
